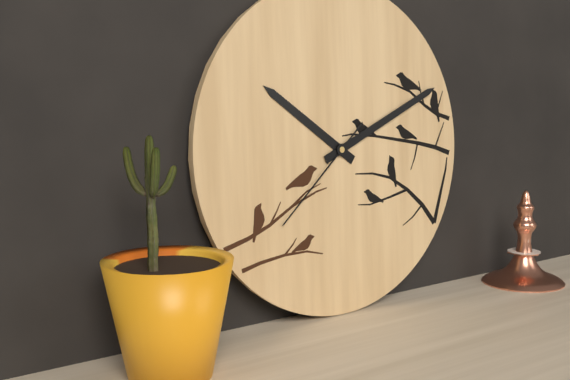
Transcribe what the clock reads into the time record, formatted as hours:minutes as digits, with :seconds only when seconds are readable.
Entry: 10:11:38
